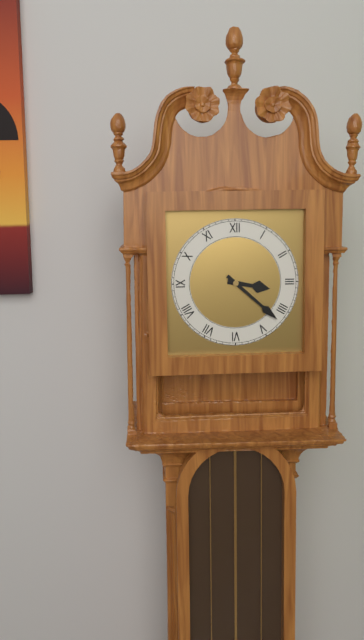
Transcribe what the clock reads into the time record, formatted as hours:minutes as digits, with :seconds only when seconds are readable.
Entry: 3:22
